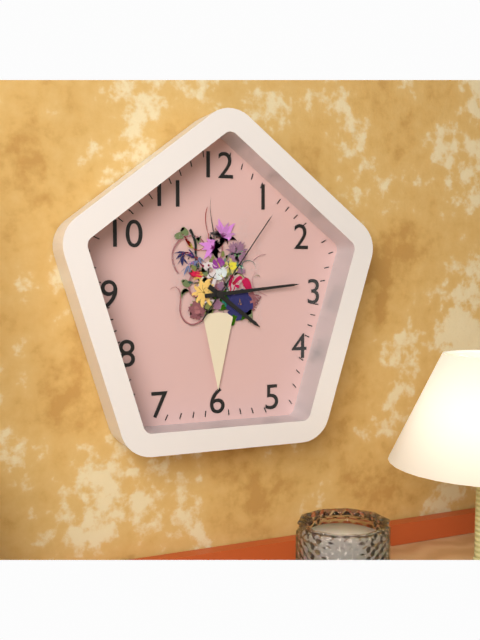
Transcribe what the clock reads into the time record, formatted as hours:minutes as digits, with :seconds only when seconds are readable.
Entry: 4:14:06
